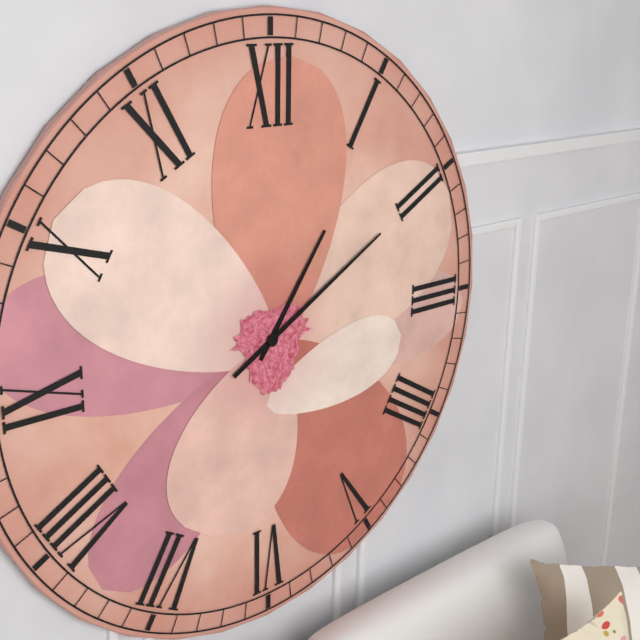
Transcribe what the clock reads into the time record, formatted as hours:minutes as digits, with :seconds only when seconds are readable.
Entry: 1:10
